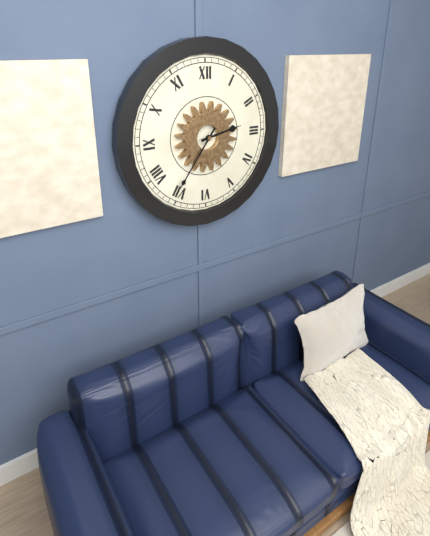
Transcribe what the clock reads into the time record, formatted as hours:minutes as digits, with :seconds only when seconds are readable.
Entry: 2:36
